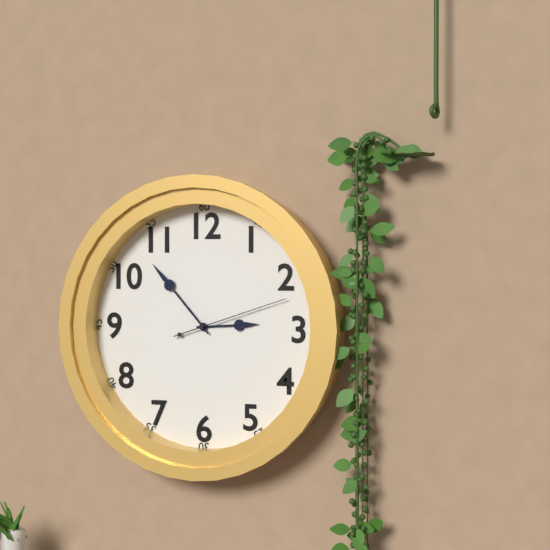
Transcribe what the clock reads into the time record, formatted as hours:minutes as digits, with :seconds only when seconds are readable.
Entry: 2:53:12
